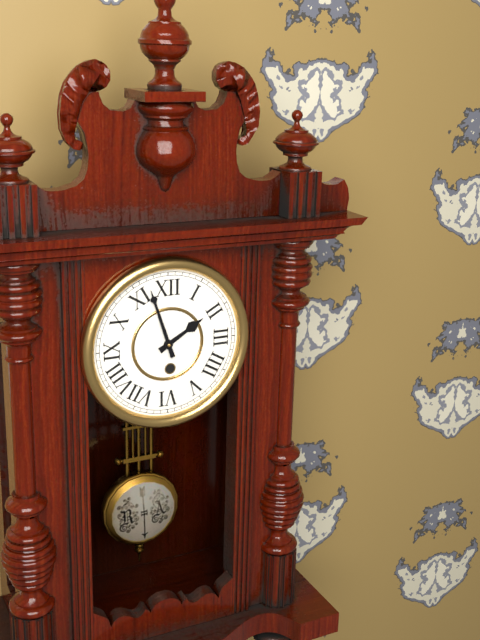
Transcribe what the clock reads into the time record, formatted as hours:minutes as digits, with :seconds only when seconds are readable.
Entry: 1:57
